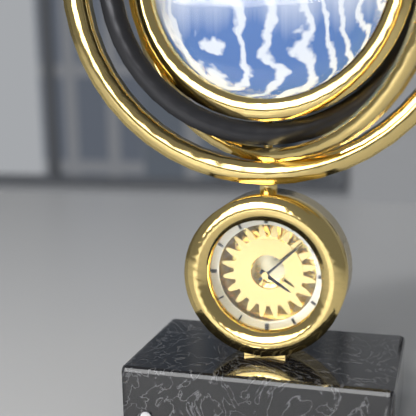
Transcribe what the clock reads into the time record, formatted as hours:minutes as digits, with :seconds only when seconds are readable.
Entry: 4:08
